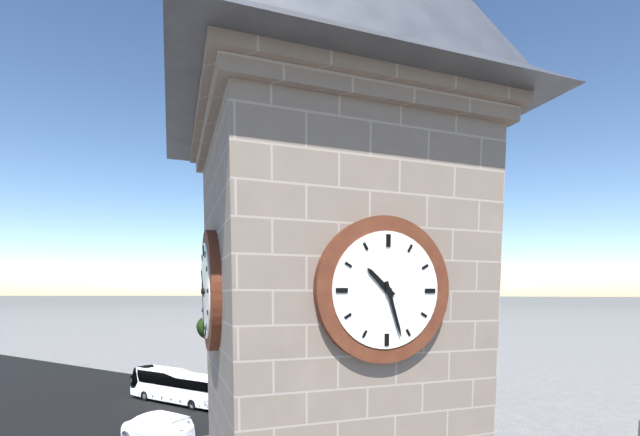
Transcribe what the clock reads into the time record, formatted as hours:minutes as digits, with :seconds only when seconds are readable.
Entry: 10:27
